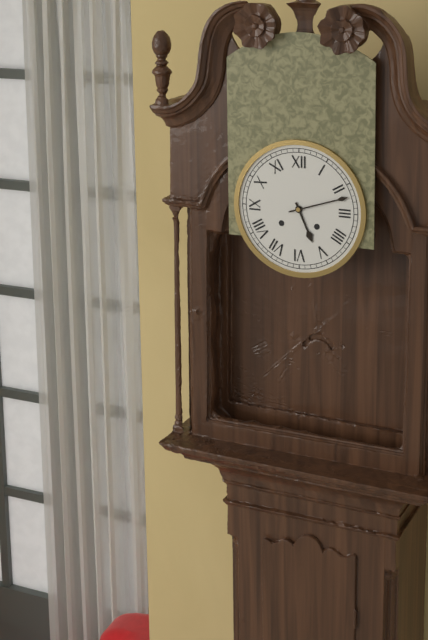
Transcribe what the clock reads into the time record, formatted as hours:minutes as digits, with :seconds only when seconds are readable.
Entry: 5:12
